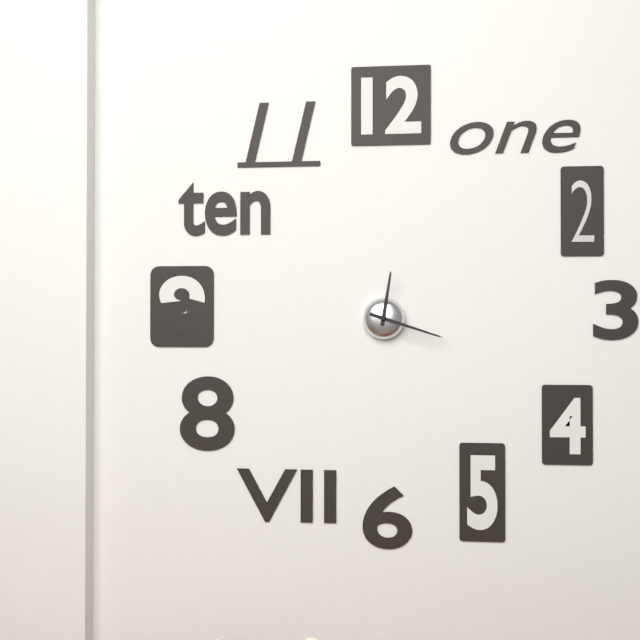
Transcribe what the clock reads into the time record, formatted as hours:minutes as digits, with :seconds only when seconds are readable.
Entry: 12:18
